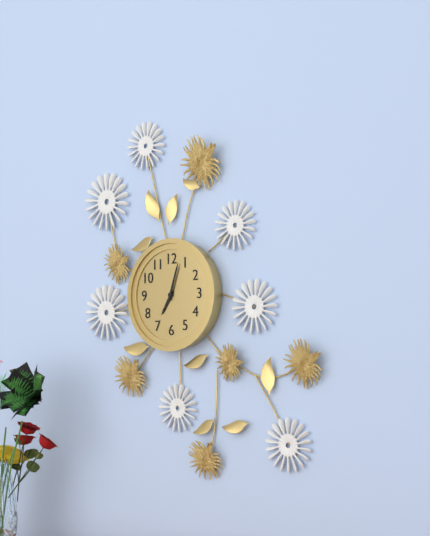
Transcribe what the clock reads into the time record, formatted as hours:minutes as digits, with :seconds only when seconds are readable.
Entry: 7:03
